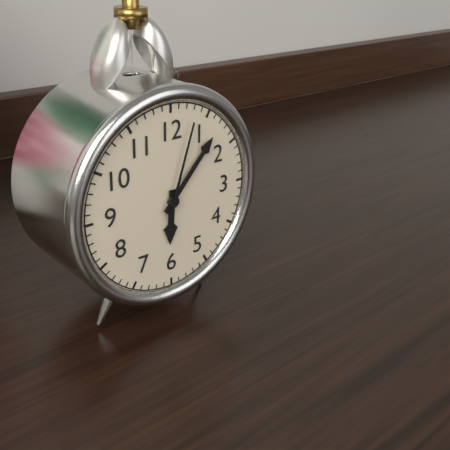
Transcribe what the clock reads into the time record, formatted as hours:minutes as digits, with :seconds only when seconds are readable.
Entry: 6:07:03
